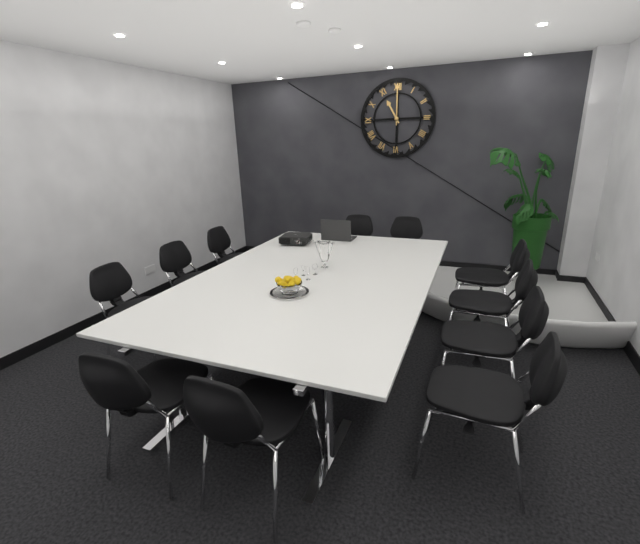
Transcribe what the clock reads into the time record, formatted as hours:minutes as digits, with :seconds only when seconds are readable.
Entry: 11:00
